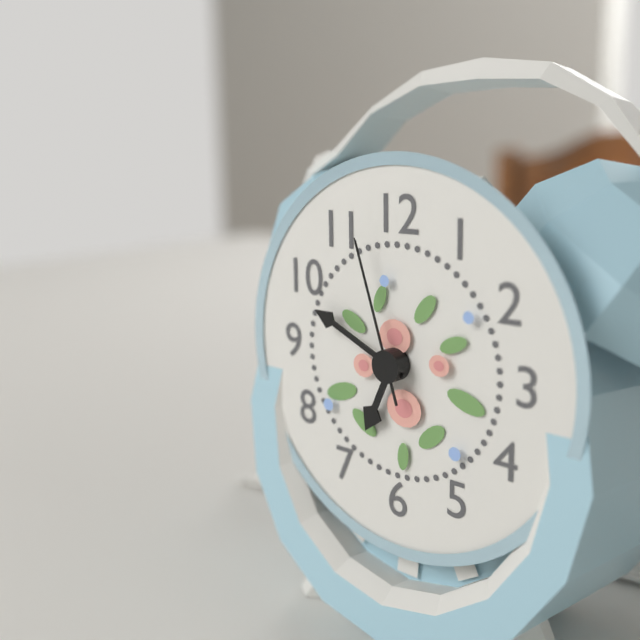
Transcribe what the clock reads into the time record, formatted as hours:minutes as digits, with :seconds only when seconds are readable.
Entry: 6:49:57
